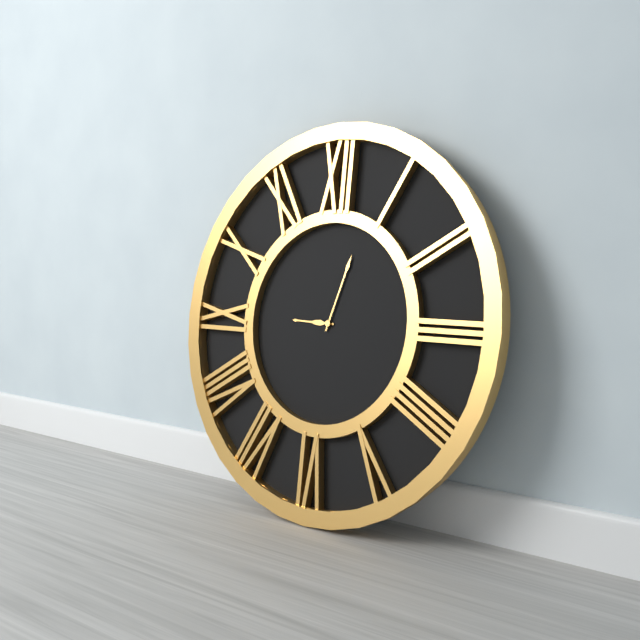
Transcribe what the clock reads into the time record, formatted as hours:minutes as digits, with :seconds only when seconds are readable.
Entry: 9:03
